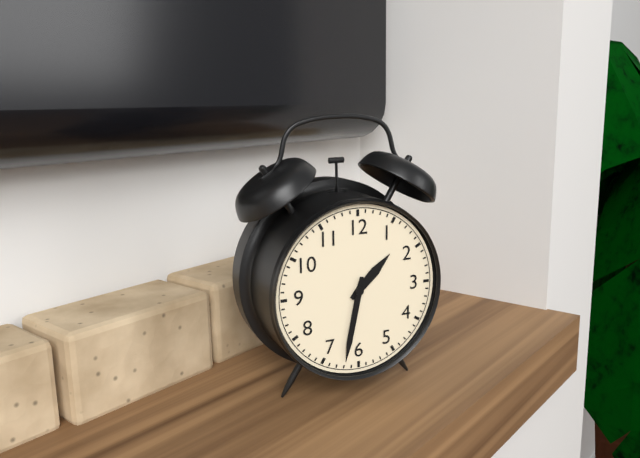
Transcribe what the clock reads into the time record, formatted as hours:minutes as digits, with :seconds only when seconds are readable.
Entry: 1:32
